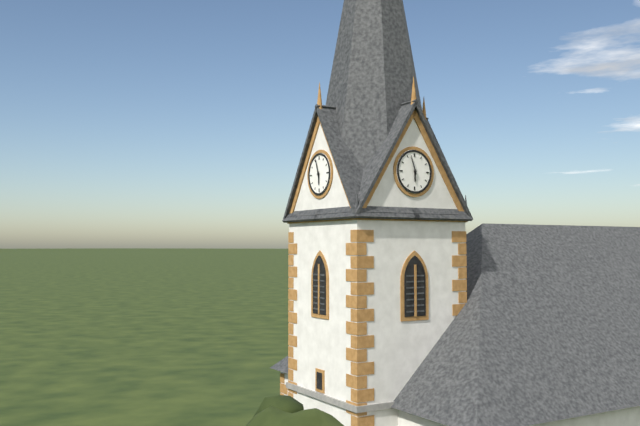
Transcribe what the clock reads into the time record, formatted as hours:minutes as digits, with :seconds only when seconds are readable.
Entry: 5:57
